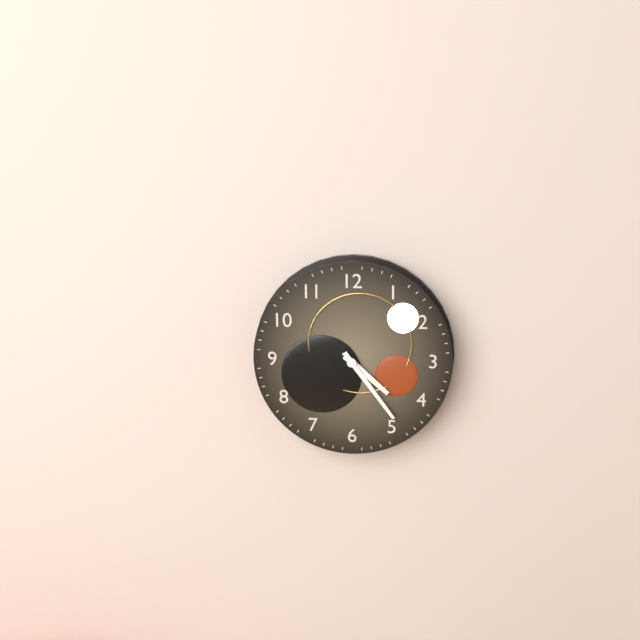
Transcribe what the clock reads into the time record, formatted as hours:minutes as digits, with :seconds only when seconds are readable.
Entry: 4:24
